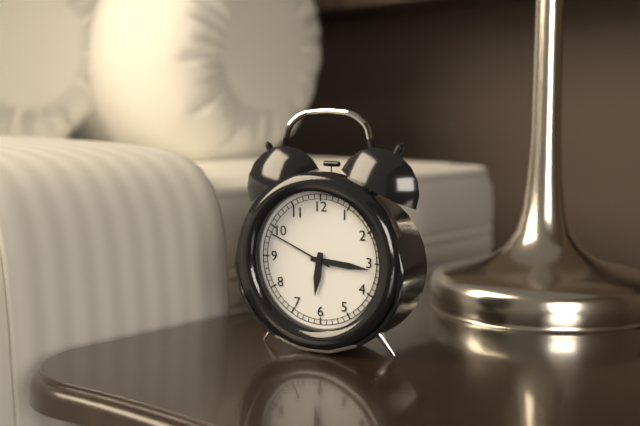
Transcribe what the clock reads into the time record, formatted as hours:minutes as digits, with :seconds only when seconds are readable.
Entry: 6:16:49
